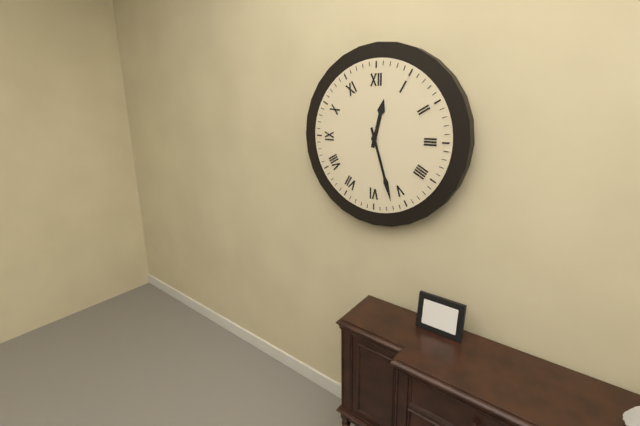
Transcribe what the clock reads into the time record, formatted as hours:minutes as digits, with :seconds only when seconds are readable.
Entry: 12:27
